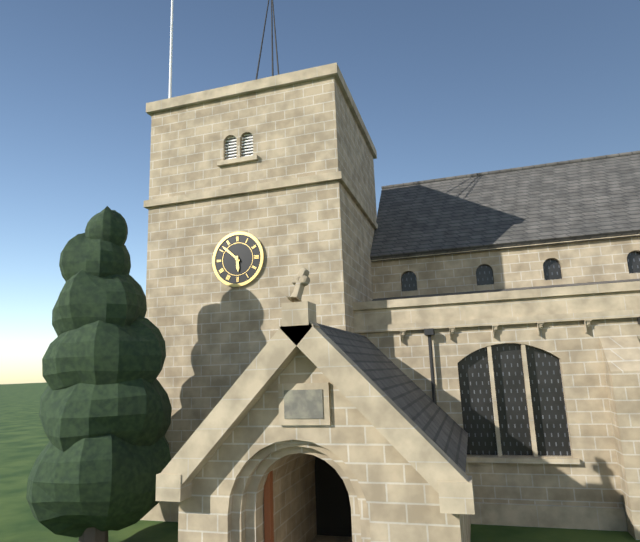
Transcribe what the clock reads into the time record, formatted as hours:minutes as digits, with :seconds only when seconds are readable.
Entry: 5:52
